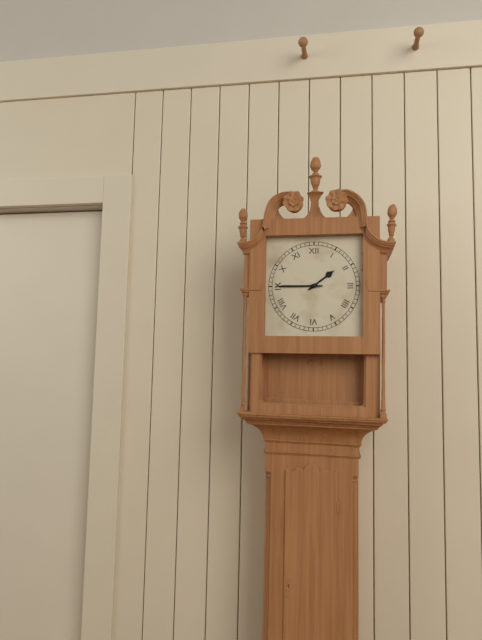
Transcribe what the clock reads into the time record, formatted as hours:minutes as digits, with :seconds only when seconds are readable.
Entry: 1:45
